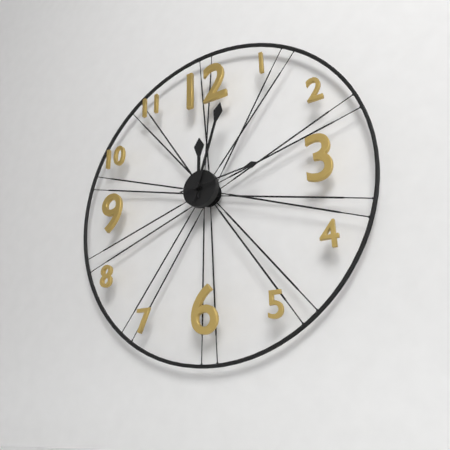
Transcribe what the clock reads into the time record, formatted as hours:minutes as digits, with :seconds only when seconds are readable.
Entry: 12:03:14
